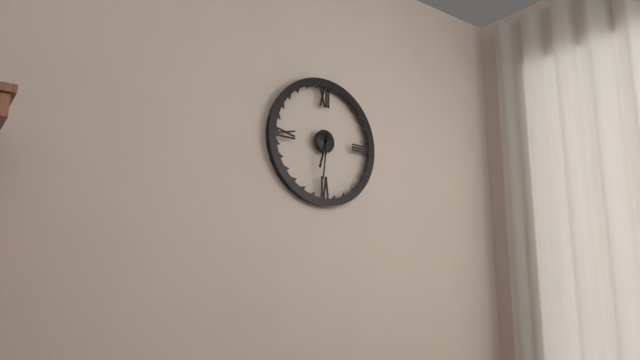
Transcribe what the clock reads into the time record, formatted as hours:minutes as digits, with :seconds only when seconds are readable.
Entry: 6:31
